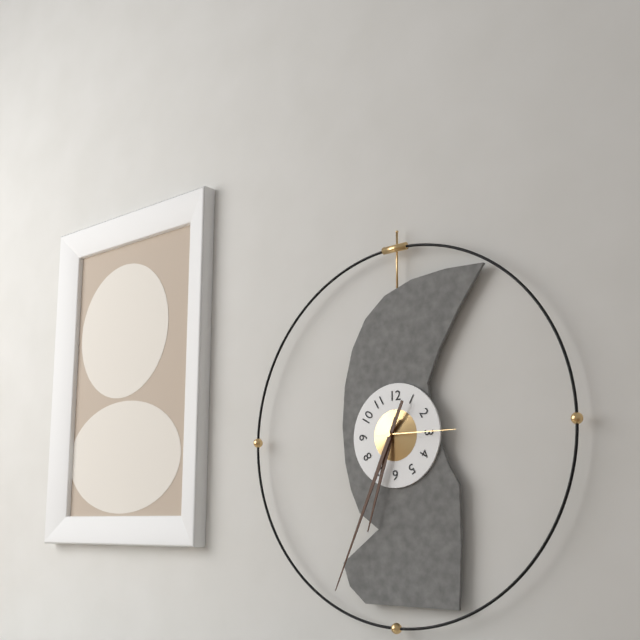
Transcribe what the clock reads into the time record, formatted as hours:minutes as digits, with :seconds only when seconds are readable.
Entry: 6:34:15
